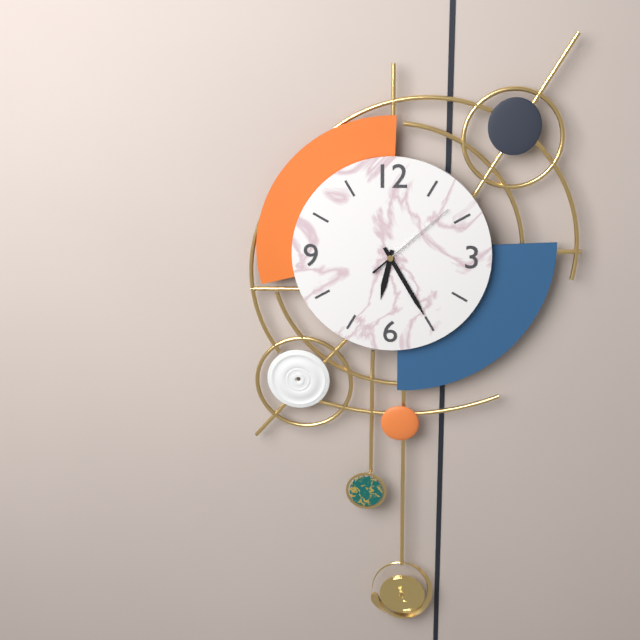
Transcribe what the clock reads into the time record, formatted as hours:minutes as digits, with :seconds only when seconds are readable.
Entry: 6:25:08
